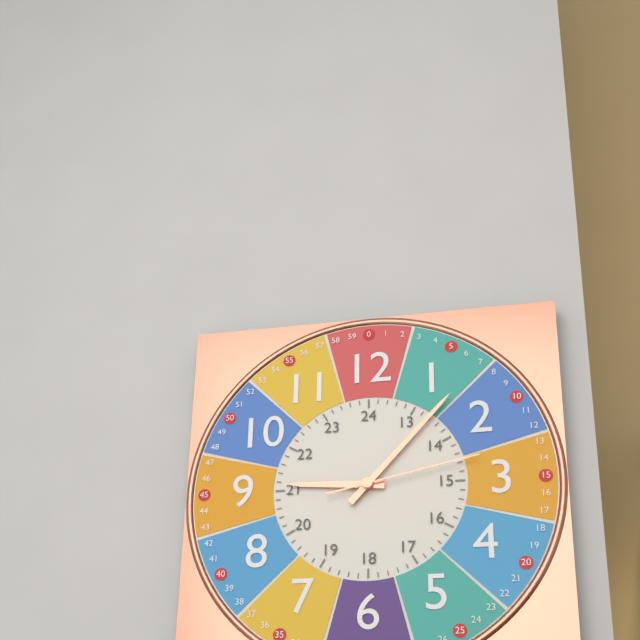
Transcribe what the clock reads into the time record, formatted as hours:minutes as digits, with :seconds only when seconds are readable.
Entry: 9:07:13
